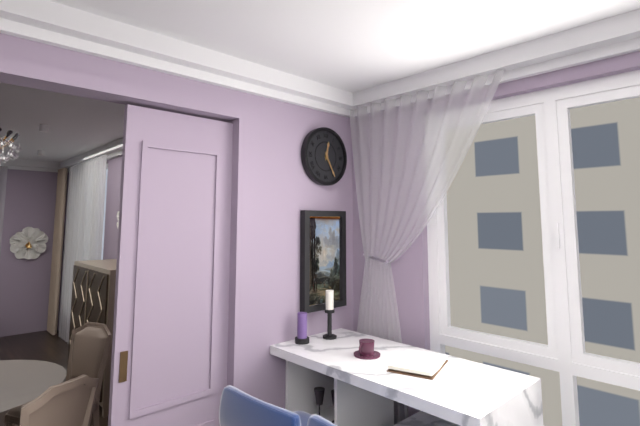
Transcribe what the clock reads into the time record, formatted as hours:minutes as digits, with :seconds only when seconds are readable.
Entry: 12:25
